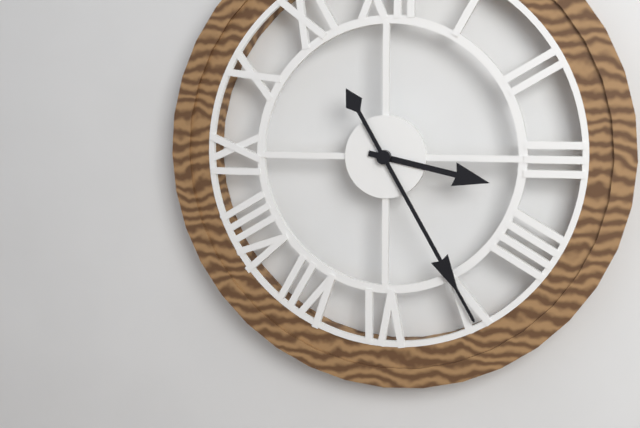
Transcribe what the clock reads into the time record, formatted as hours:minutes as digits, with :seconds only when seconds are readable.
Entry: 3:25
